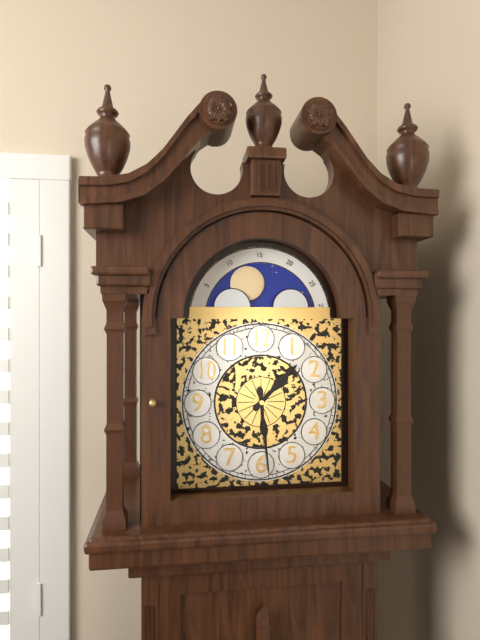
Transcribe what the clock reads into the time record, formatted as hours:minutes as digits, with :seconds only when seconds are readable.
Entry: 1:29
